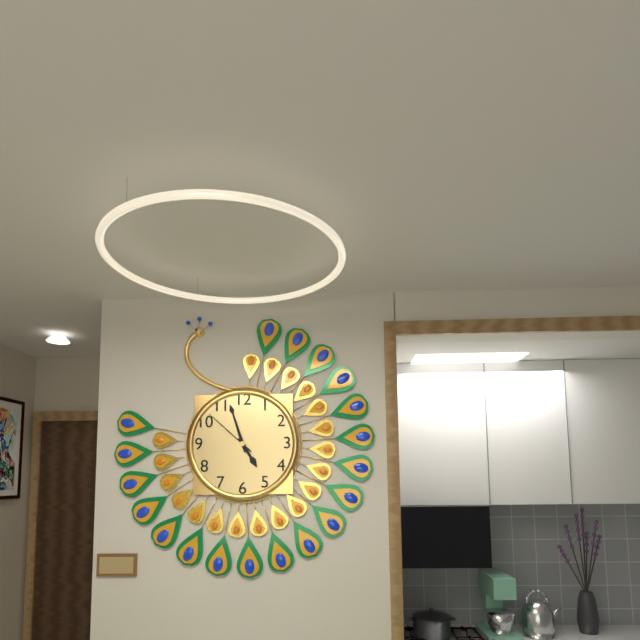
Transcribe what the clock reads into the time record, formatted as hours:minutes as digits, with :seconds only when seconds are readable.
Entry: 4:57:52
